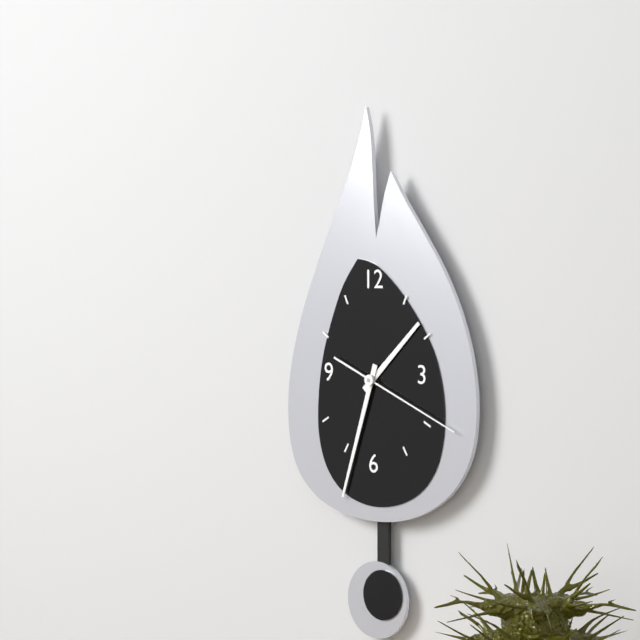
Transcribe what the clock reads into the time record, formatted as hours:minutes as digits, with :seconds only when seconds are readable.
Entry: 1:33:19
